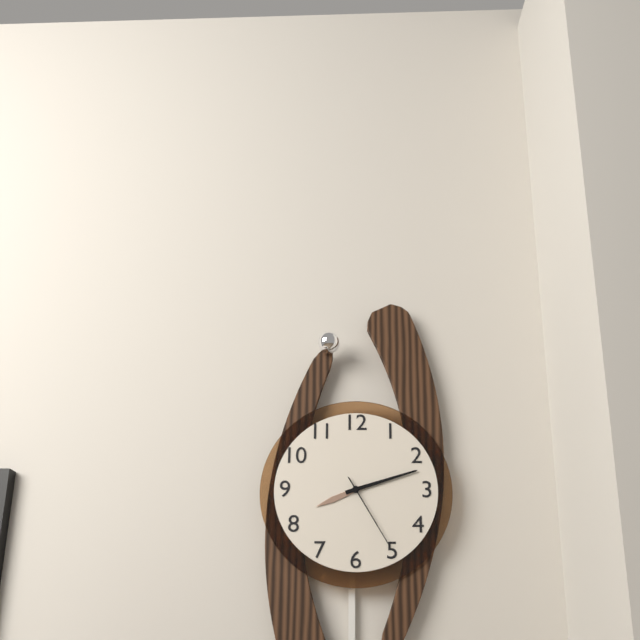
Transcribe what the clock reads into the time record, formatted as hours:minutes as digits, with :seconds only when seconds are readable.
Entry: 8:12:25
